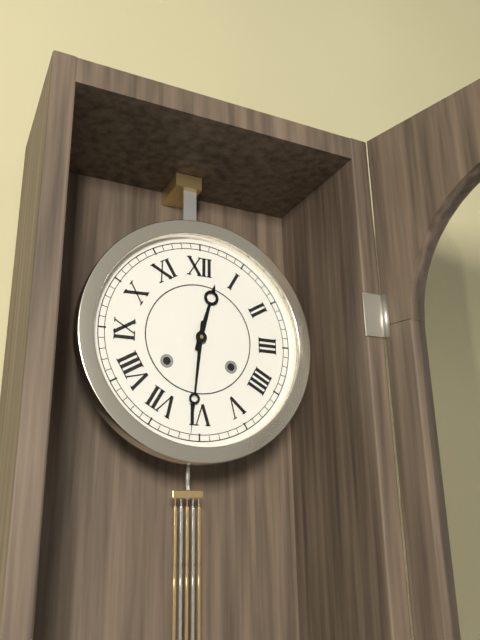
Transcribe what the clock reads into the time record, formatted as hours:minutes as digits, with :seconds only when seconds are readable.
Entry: 12:31
